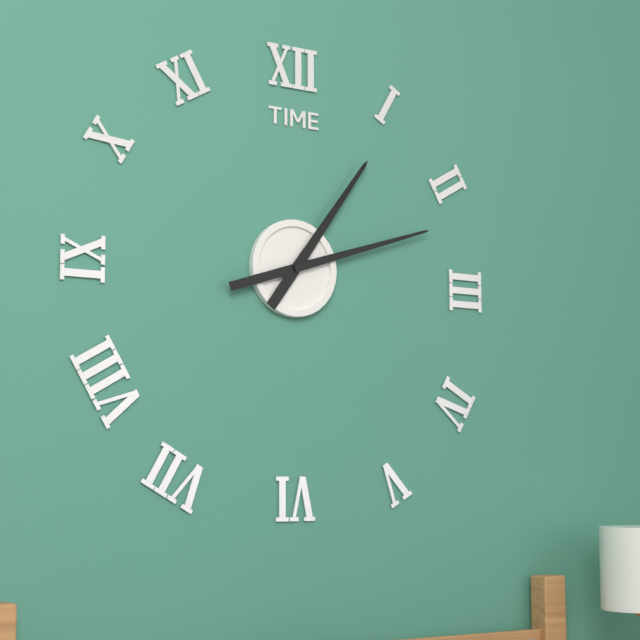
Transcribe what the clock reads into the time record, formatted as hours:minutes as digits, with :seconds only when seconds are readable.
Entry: 1:12
